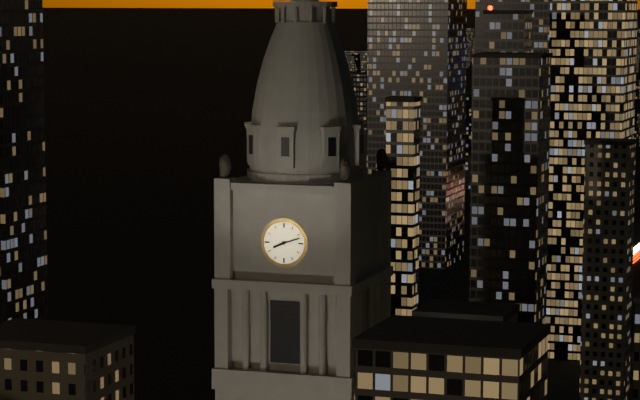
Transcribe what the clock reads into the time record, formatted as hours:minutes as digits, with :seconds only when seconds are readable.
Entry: 8:12
